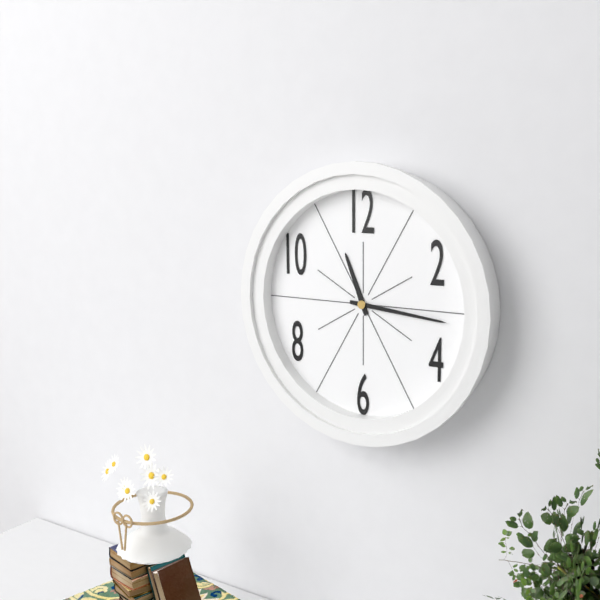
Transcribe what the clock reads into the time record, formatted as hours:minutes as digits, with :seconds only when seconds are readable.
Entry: 11:16
